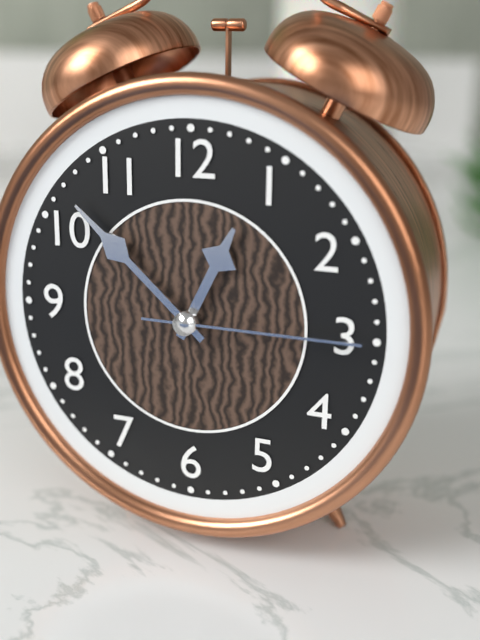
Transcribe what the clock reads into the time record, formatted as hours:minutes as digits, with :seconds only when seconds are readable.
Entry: 12:52:15
